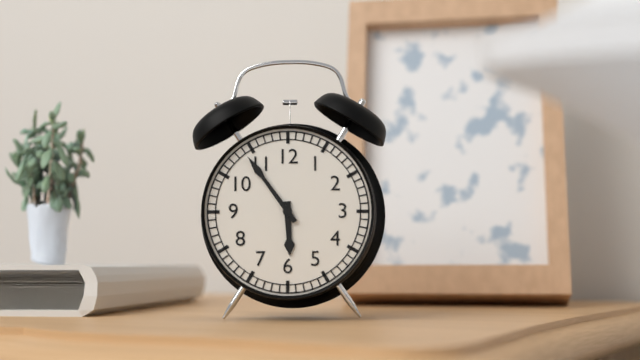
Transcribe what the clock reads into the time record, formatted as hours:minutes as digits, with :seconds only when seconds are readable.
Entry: 5:54
